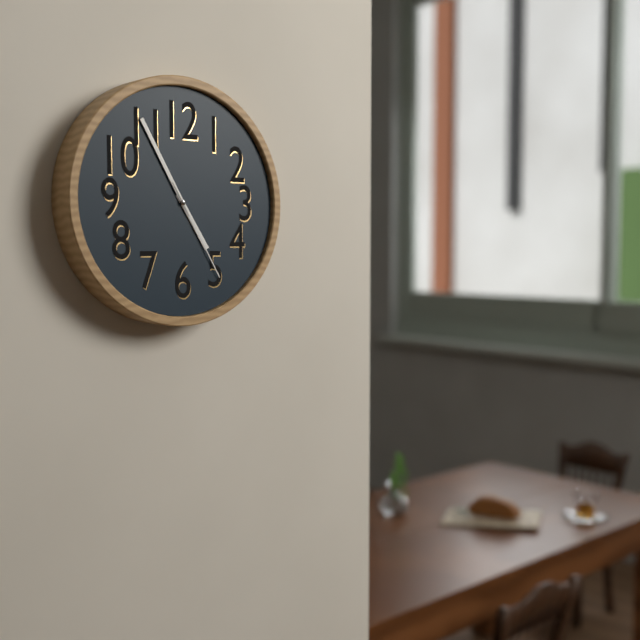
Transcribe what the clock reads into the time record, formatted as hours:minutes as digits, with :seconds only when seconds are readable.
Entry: 4:55:25
